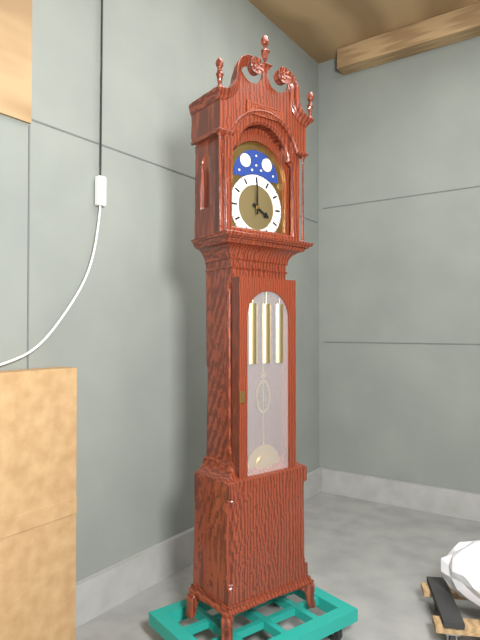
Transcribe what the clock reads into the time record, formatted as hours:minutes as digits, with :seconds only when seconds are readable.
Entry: 4:00
